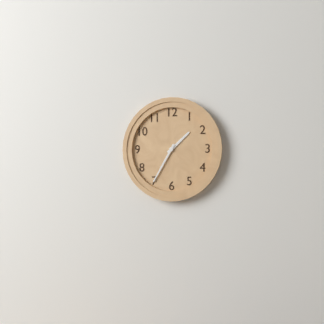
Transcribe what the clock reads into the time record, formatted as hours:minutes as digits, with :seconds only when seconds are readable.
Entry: 1:35
